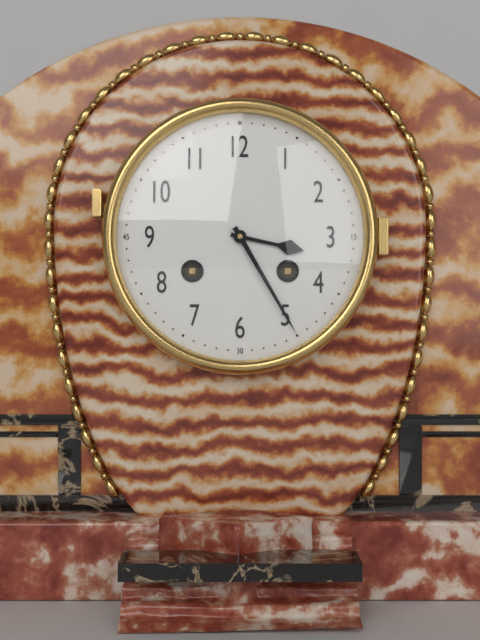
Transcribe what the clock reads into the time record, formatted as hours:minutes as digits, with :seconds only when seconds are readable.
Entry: 3:25
